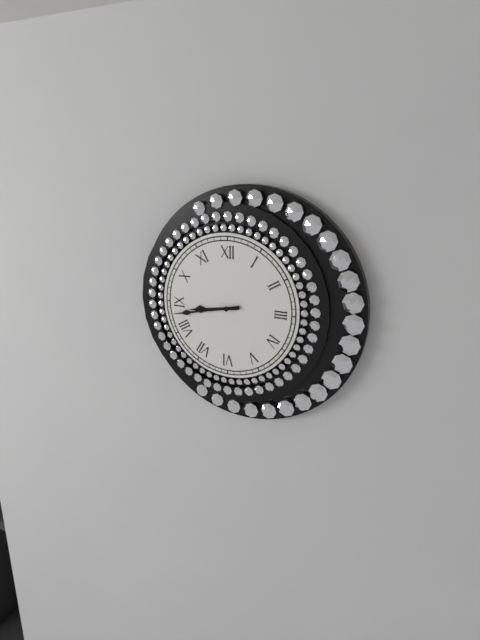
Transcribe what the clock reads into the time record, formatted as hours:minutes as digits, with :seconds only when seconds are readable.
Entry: 8:43
